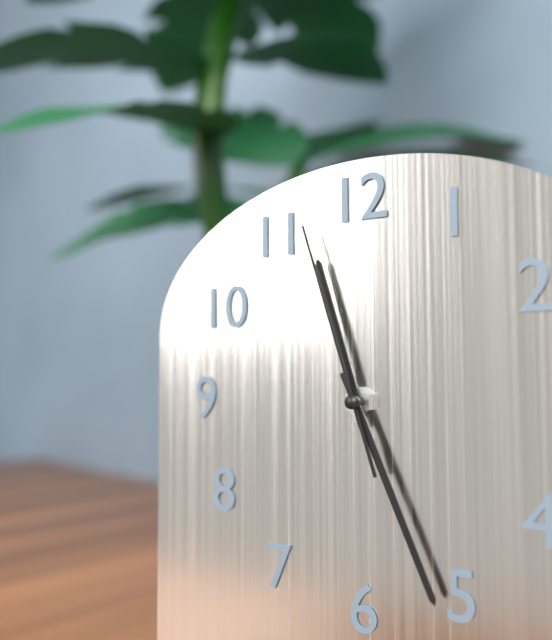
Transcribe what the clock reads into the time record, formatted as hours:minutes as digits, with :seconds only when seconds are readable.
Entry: 11:26:57
